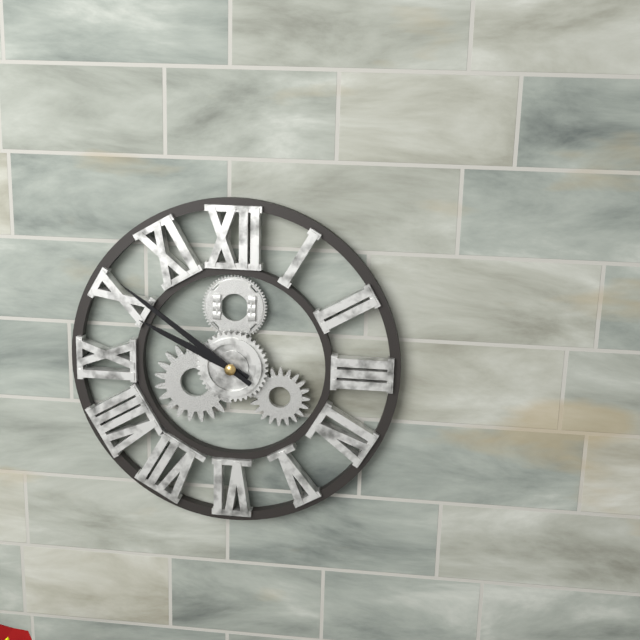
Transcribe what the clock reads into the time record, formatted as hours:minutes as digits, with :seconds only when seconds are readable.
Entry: 9:51
